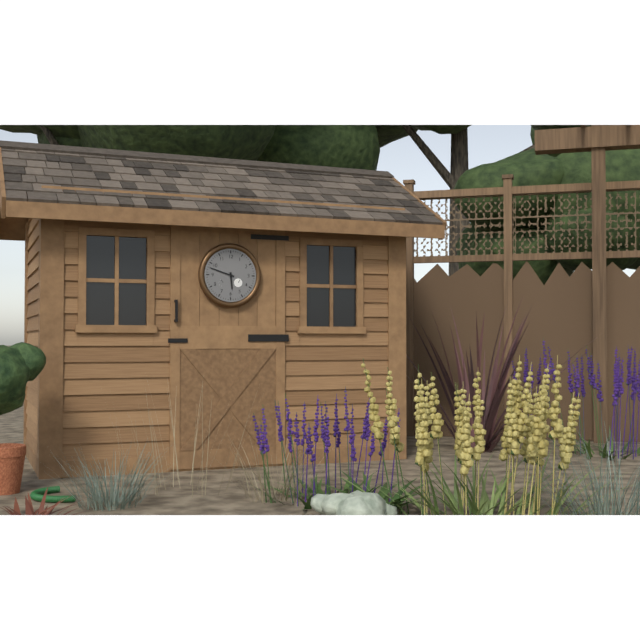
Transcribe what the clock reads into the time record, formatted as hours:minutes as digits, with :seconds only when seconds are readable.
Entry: 5:48
